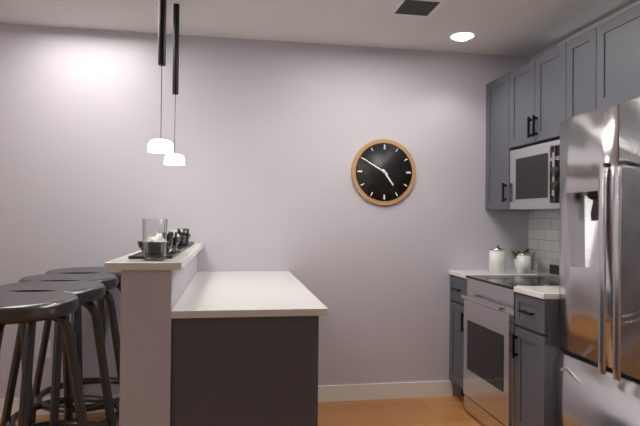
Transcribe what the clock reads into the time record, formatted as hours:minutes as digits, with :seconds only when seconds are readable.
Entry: 4:50
